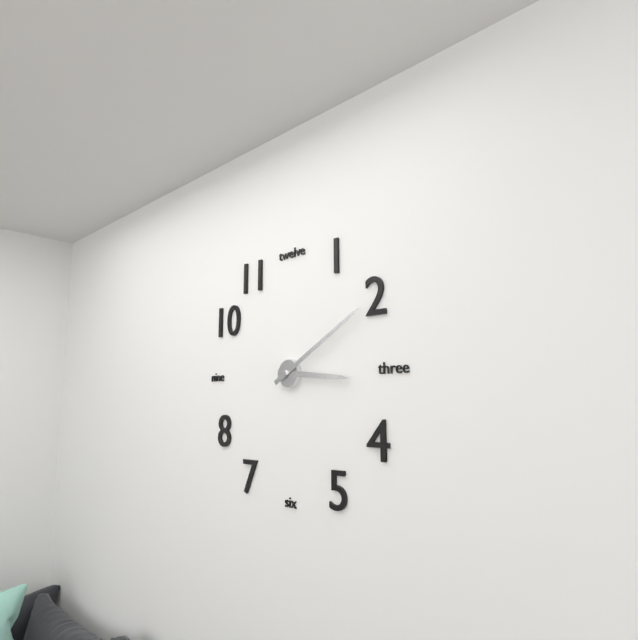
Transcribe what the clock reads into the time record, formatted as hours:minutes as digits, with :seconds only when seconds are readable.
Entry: 3:10
